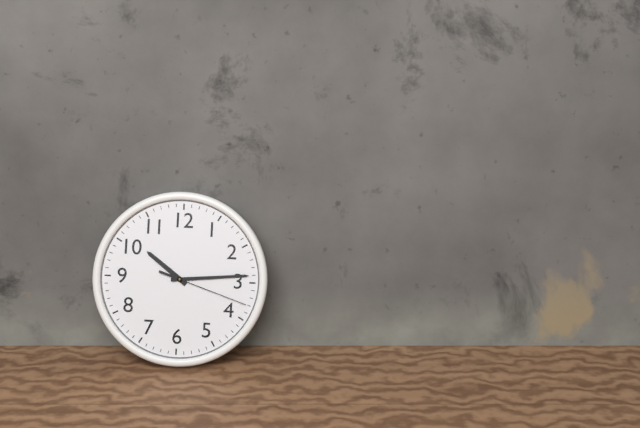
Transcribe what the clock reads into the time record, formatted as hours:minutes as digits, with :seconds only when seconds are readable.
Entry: 10:14:18
